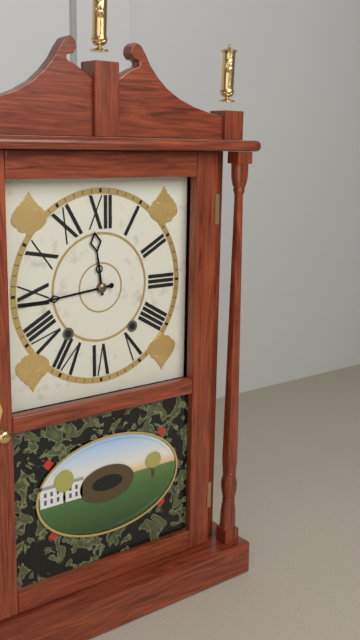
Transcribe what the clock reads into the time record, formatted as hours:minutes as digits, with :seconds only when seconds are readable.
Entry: 11:44
